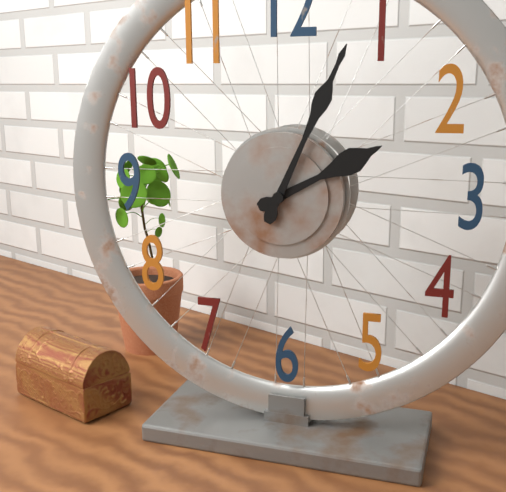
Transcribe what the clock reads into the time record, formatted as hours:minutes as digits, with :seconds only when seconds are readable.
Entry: 2:04
